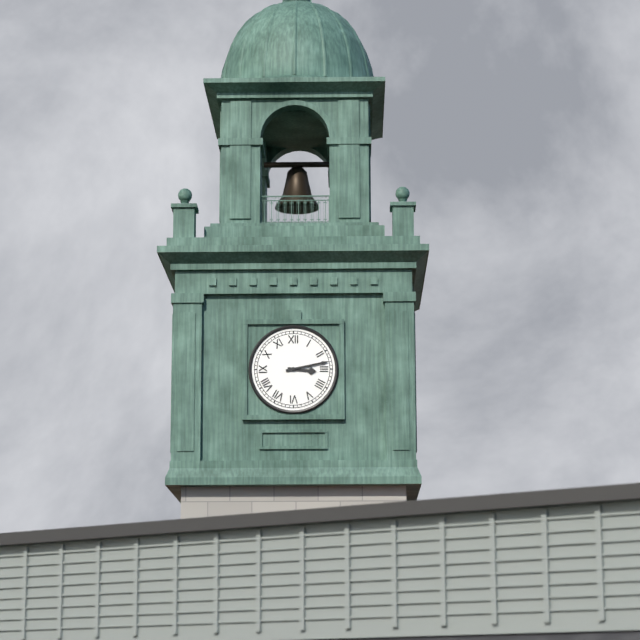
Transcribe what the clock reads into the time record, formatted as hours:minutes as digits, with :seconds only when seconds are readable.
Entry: 3:13
